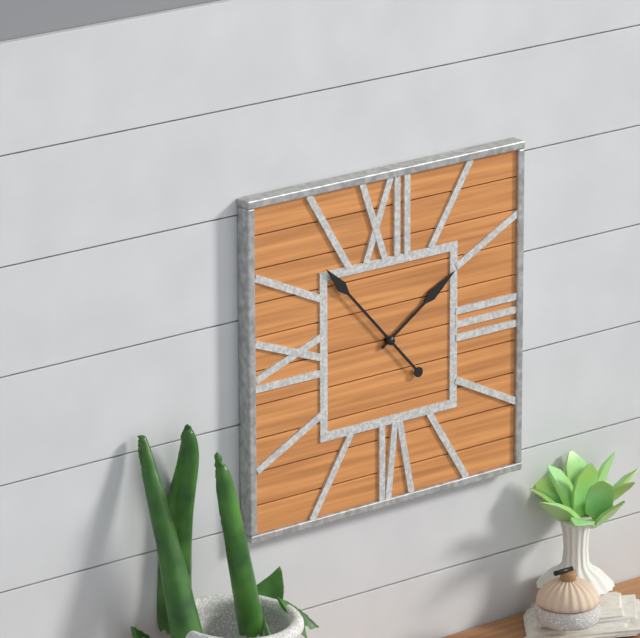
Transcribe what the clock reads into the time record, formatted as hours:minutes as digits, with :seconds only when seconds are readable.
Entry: 1:53
